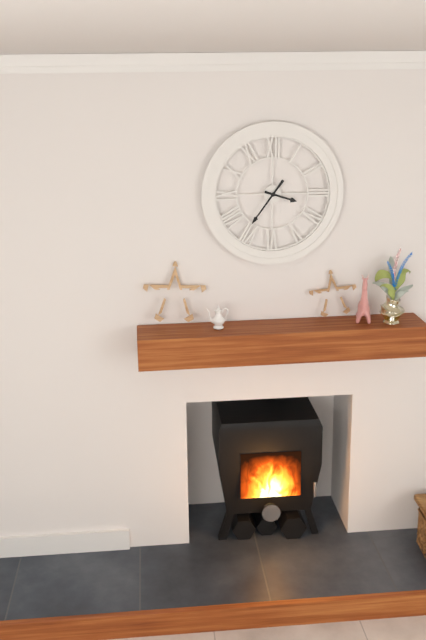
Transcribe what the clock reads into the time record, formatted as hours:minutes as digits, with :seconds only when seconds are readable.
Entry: 3:36
